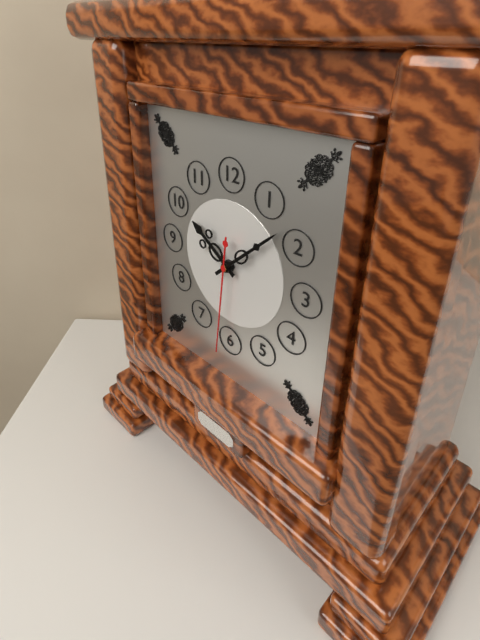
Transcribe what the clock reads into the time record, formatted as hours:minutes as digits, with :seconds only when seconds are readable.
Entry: 10:08:31
